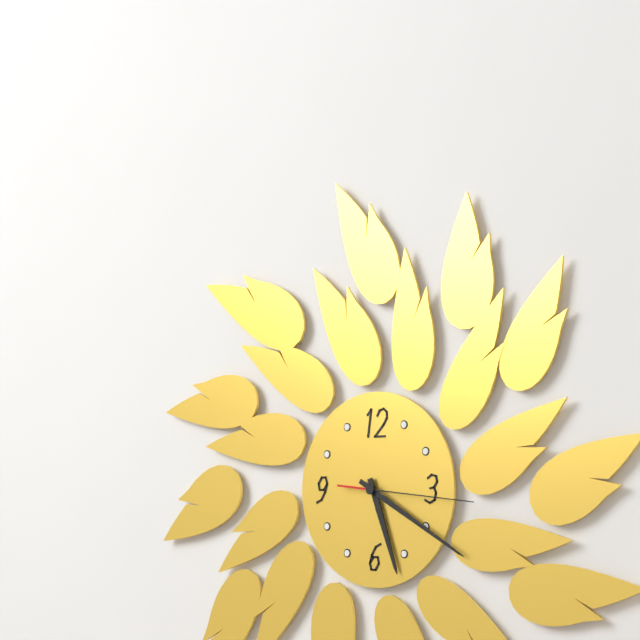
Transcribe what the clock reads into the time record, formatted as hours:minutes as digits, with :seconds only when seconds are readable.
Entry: 5:20:16
